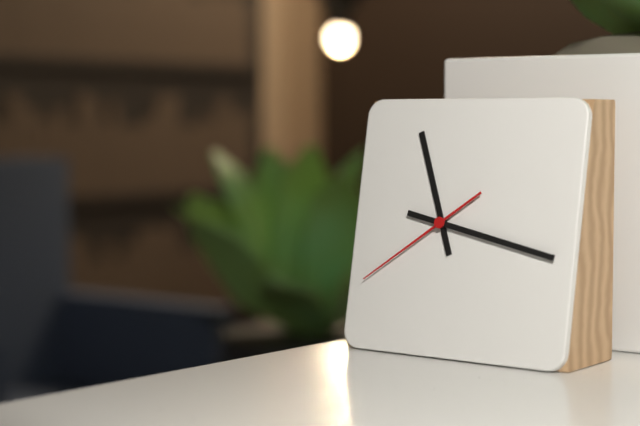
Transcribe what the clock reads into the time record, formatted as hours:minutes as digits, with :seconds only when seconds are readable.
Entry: 11:17:39
